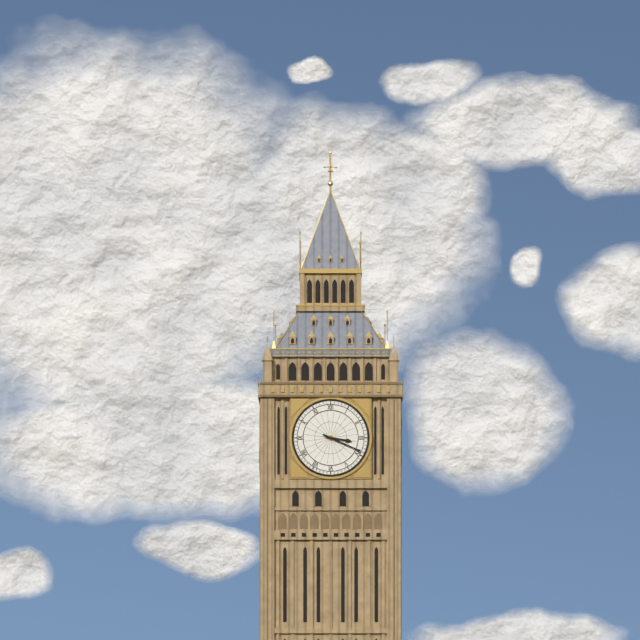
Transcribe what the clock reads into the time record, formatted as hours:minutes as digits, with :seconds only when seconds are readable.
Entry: 3:19
